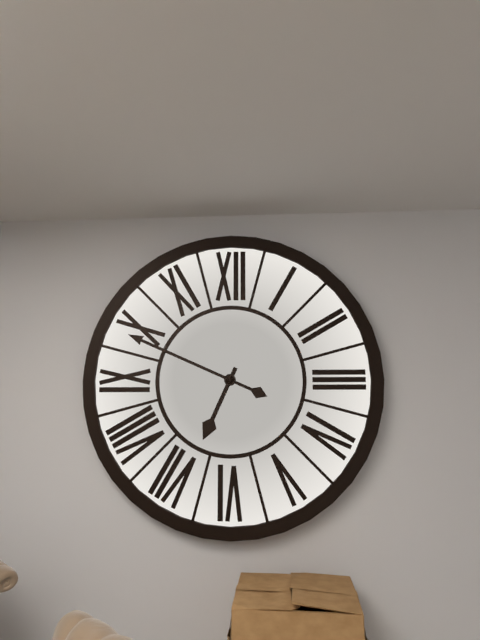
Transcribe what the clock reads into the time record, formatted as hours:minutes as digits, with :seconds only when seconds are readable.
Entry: 6:49
